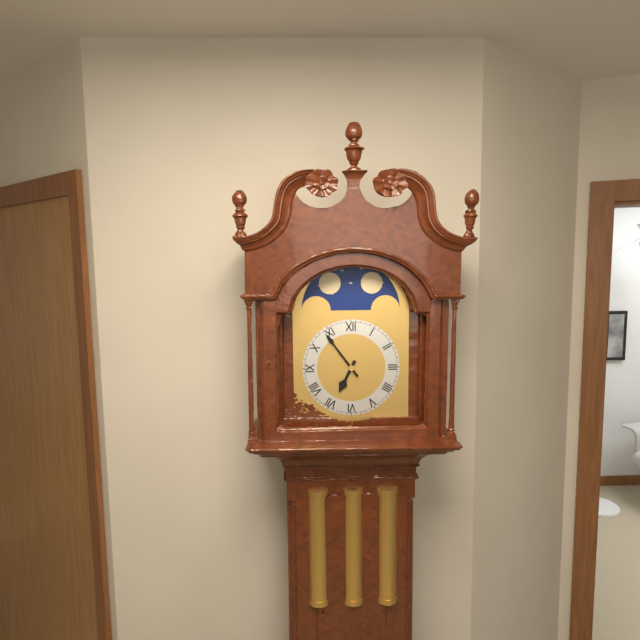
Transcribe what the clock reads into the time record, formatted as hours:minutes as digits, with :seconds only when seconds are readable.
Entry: 6:54
